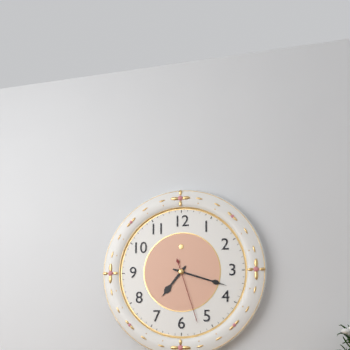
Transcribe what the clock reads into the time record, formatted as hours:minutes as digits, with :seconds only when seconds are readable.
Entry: 7:18:27
